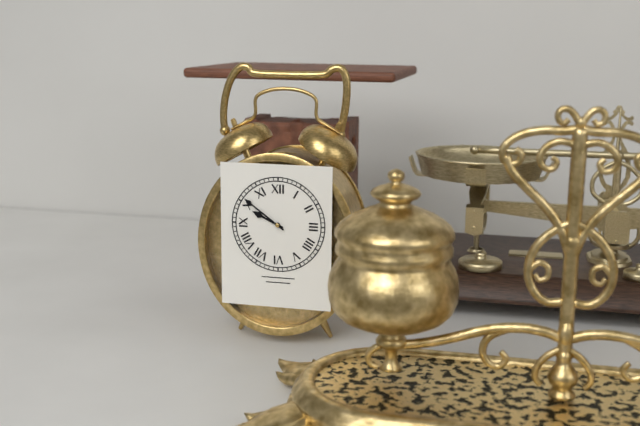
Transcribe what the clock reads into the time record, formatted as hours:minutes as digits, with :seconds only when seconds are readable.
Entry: 9:51
